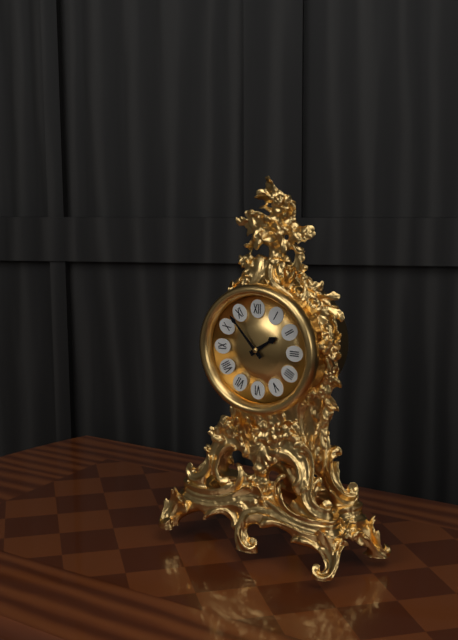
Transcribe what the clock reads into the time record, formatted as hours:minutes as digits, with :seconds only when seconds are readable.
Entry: 1:53
